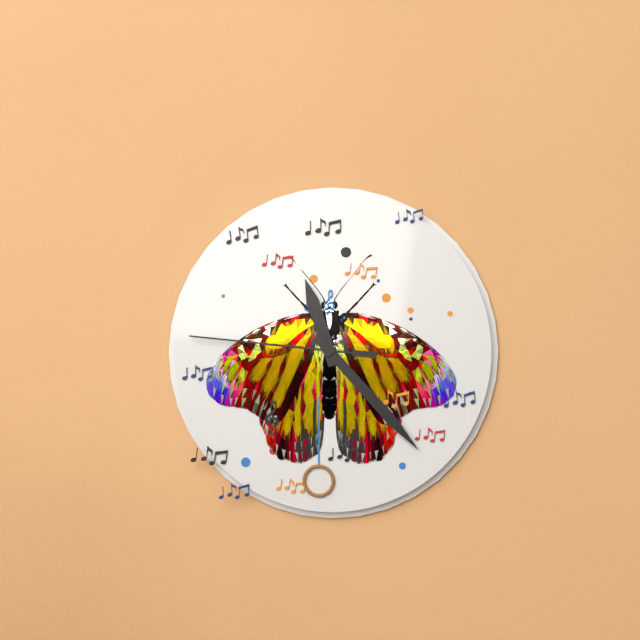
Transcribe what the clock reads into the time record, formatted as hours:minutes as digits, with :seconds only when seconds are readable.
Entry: 11:23:46
